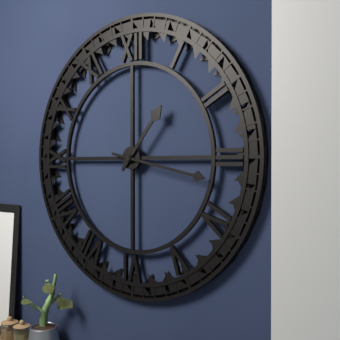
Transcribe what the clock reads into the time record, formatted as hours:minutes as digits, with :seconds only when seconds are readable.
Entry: 1:17
